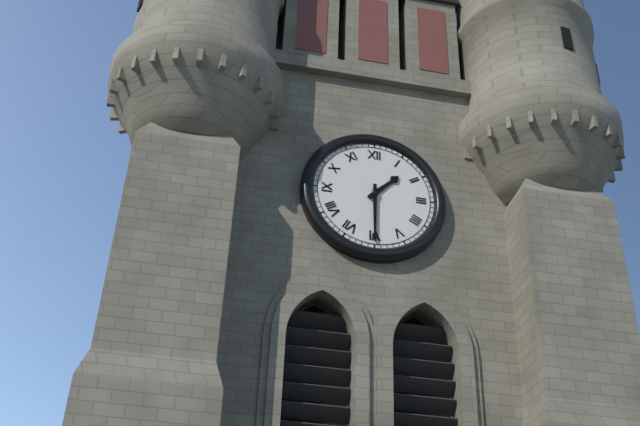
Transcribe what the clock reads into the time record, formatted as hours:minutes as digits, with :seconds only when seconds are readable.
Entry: 1:30
